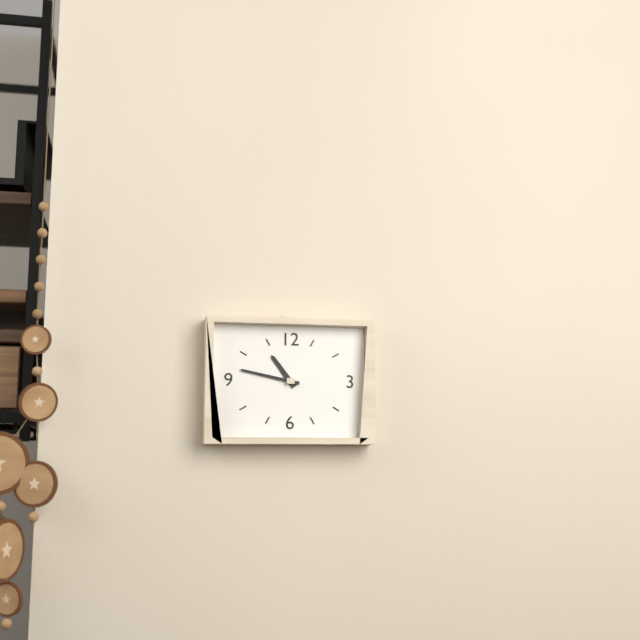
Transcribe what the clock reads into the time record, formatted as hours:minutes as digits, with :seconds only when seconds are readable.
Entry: 10:47
